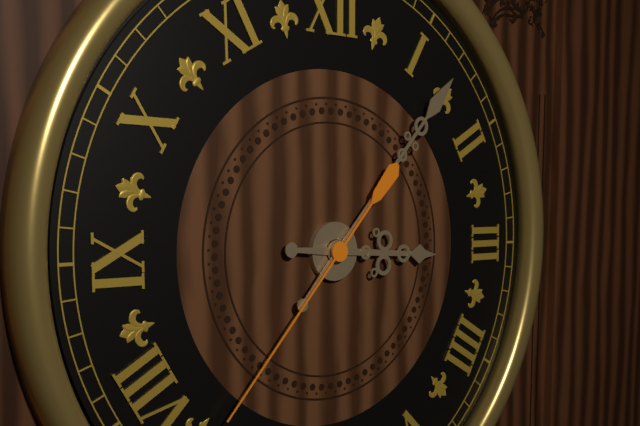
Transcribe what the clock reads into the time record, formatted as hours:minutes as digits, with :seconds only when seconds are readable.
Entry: 3:07:37
